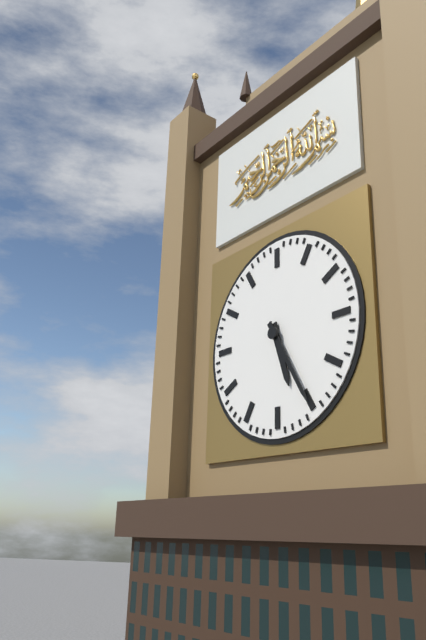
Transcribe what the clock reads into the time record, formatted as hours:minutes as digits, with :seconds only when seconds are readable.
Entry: 5:25
